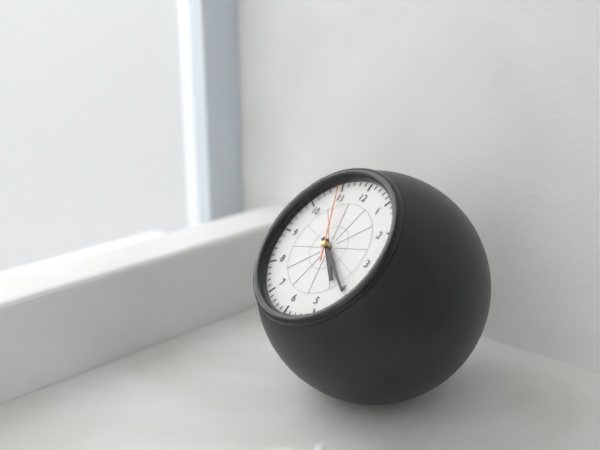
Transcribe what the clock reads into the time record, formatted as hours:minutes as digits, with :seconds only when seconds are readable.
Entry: 4:20:55
